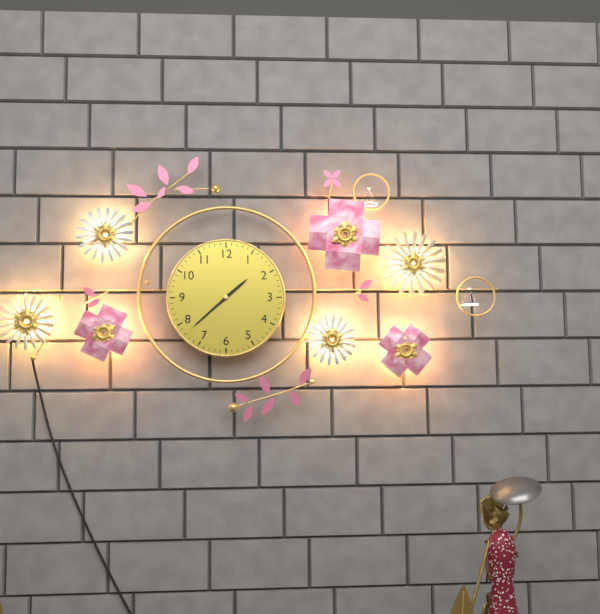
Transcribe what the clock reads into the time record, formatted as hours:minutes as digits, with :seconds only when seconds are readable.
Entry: 1:38
